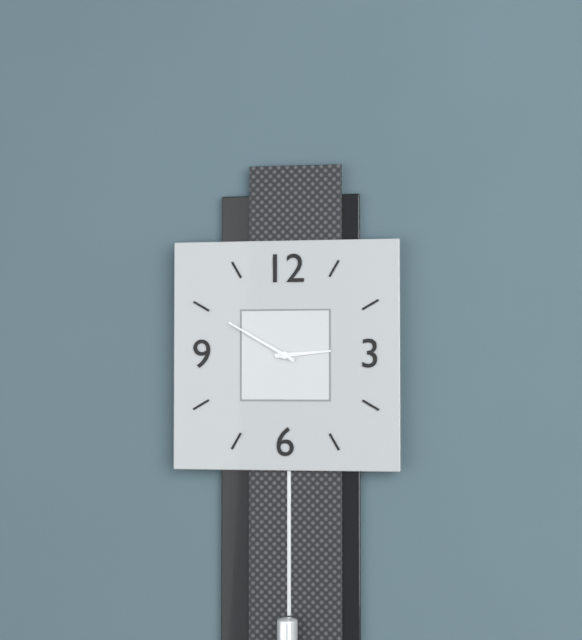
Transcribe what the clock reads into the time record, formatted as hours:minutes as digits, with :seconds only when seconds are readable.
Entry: 2:50
